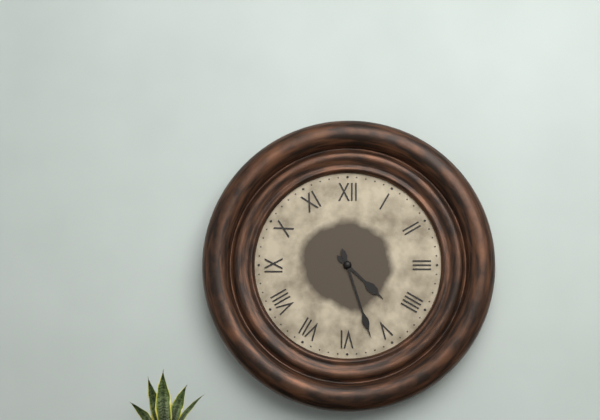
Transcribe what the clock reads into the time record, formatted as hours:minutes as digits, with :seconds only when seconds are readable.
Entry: 4:27
